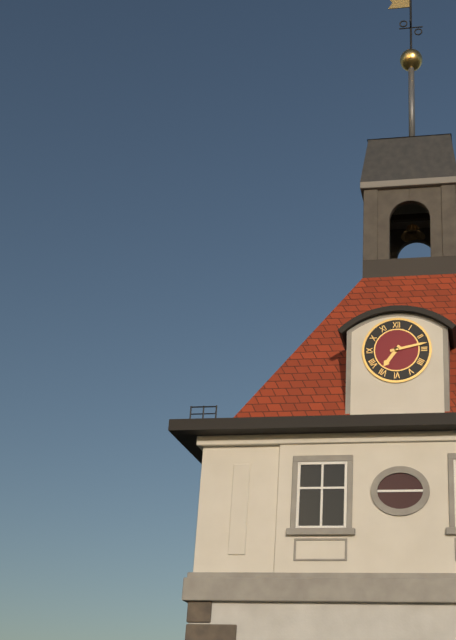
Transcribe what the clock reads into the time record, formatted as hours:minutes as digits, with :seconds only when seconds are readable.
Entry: 7:13
